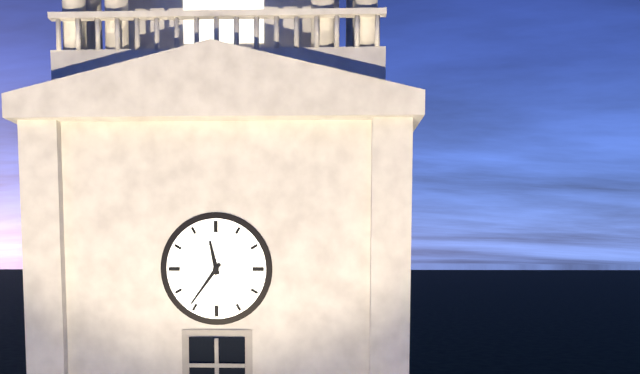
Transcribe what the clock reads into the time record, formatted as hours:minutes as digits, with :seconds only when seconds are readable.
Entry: 11:36
